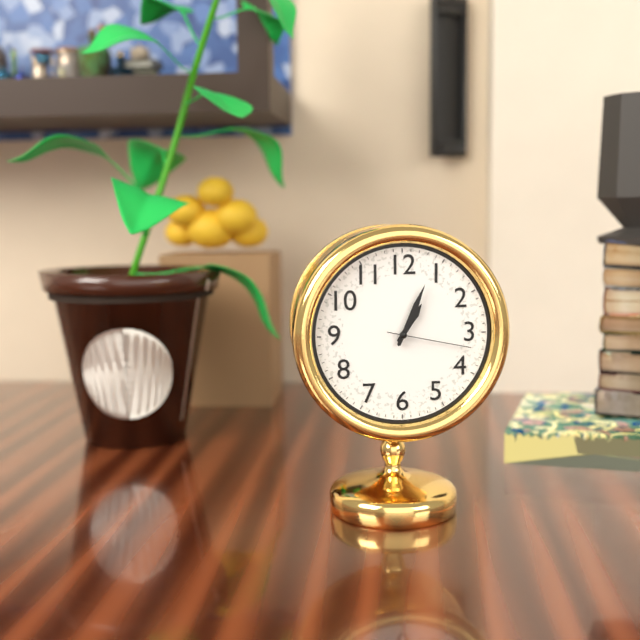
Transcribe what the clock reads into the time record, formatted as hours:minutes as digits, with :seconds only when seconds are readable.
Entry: 1:04:17
